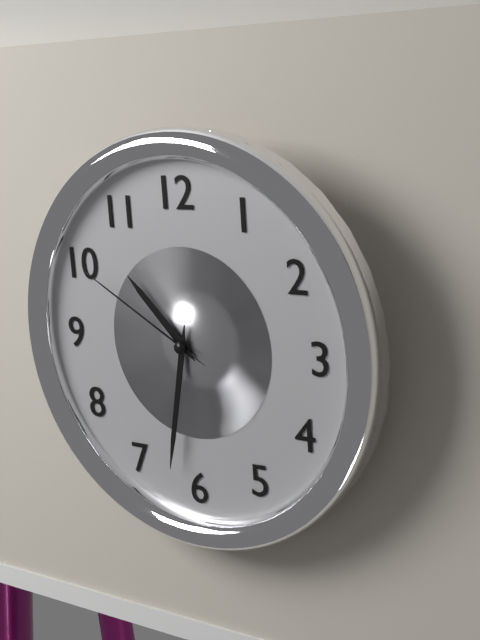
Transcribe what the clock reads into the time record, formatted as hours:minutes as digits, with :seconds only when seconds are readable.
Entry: 10:32:50
